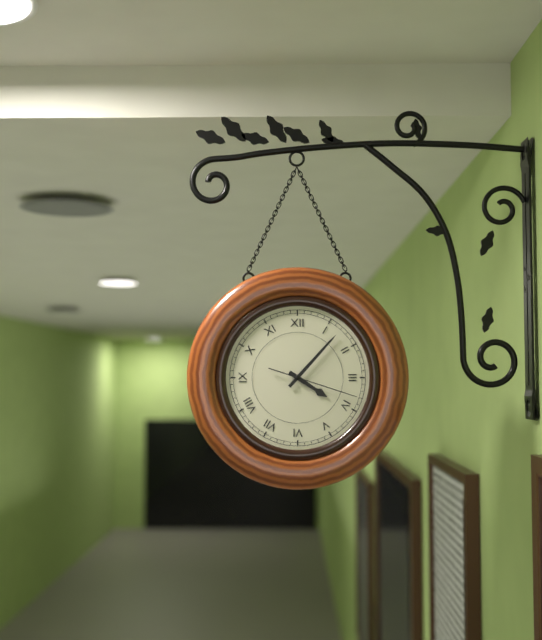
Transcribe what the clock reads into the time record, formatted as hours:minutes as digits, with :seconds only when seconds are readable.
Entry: 4:07:18
